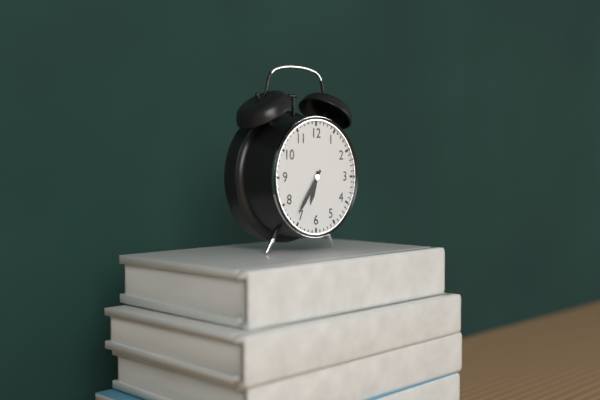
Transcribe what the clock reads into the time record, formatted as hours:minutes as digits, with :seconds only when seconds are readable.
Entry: 6:36
